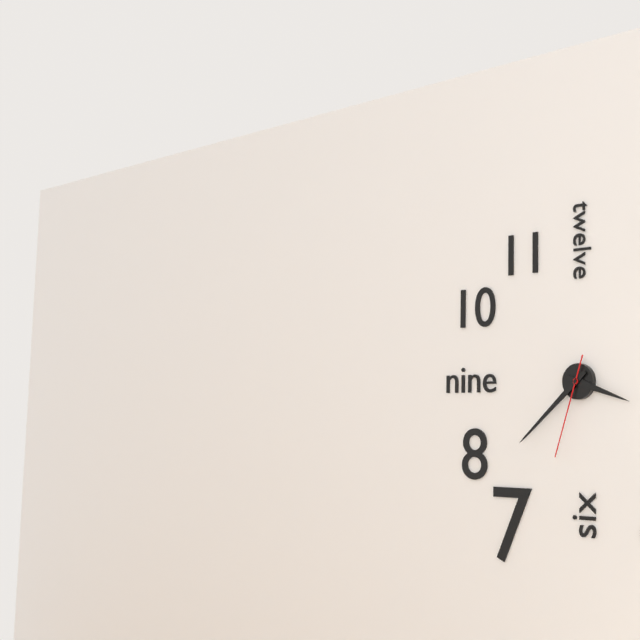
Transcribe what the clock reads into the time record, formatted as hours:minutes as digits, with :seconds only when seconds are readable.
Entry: 3:38:33
